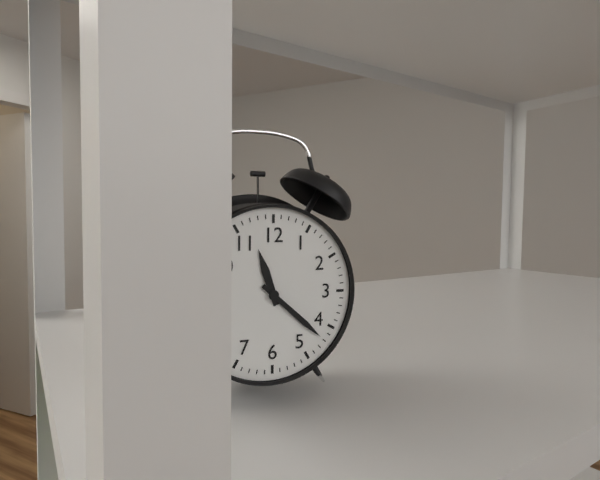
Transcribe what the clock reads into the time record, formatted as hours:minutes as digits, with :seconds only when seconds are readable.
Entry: 11:22
